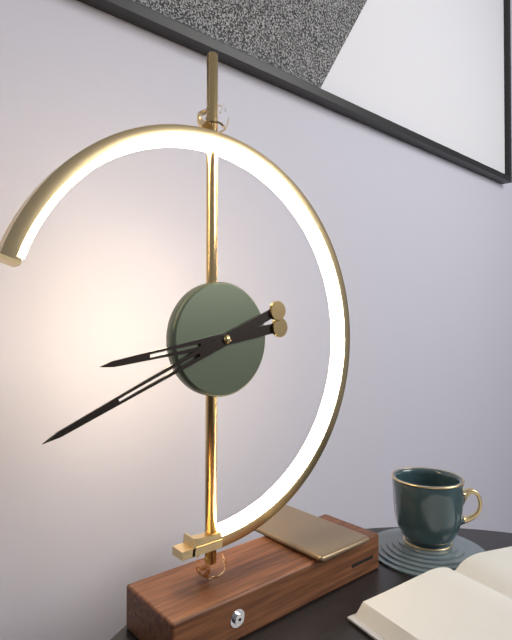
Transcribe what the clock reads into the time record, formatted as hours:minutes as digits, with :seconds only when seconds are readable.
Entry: 8:41
